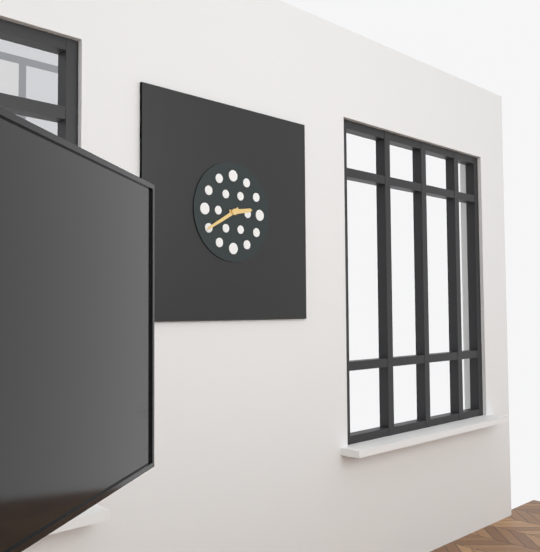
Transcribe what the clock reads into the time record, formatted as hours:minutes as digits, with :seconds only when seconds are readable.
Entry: 2:40
